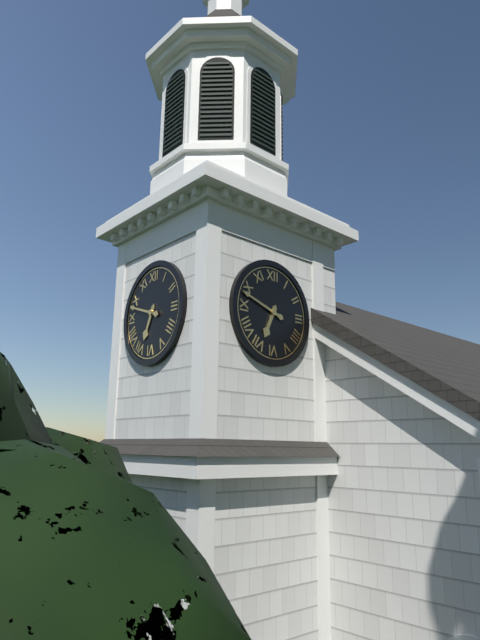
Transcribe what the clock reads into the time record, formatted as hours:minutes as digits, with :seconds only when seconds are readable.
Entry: 6:48
